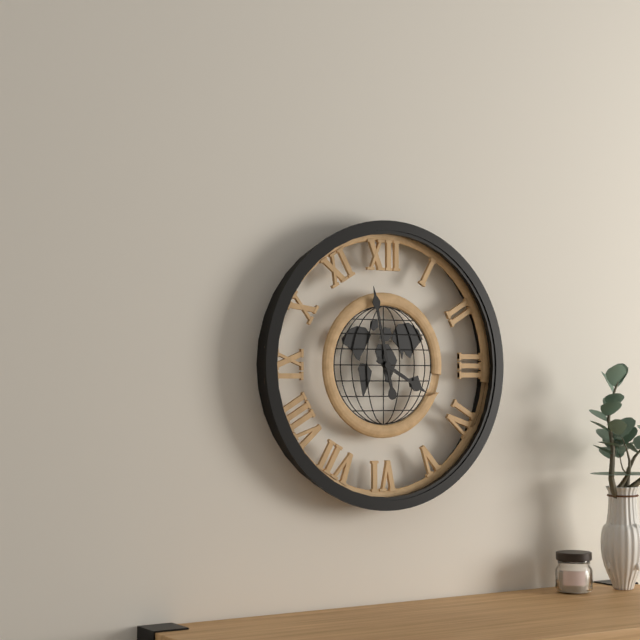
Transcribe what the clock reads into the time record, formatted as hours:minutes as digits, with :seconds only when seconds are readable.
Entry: 3:58
